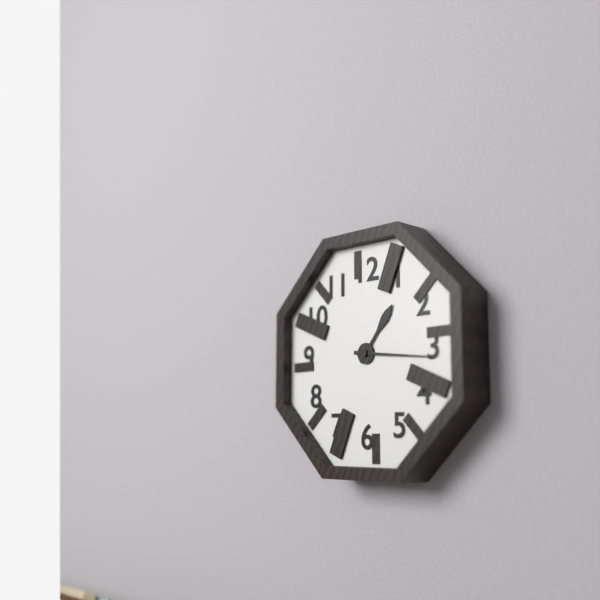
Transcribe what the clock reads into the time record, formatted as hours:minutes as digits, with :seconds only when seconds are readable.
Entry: 1:16
